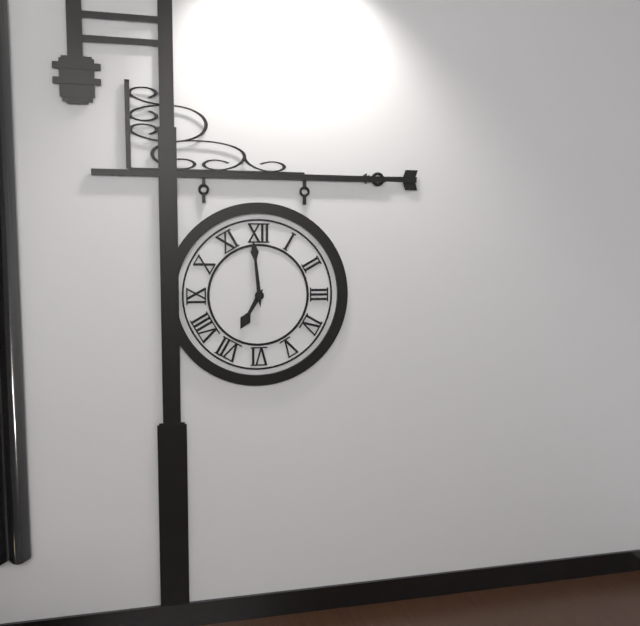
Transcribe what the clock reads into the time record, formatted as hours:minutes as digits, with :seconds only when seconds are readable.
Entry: 6:59
